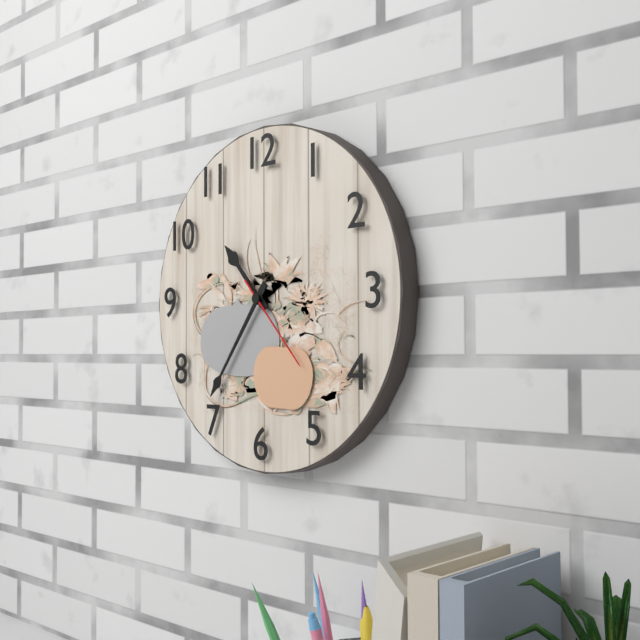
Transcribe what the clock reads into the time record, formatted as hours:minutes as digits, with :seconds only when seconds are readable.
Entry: 10:36:23
